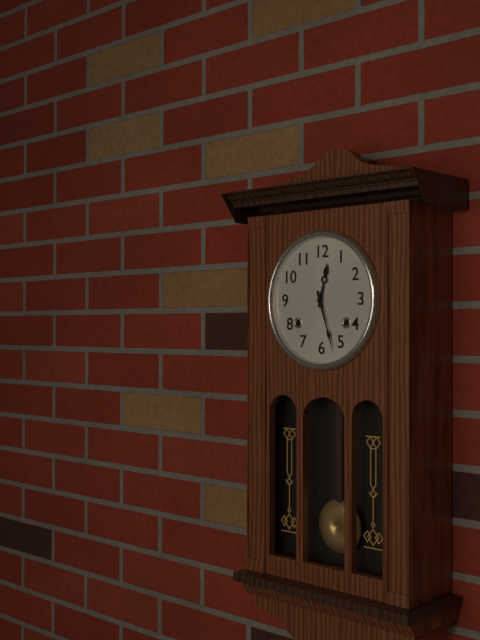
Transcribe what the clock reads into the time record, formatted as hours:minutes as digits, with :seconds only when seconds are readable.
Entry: 12:27
